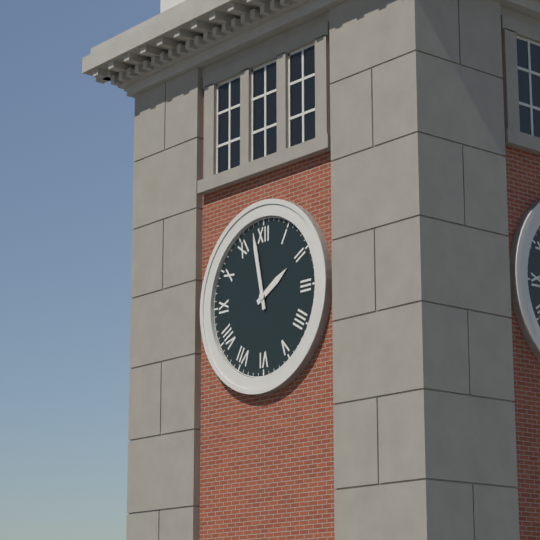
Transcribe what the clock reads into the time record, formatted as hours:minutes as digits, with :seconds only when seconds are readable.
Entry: 1:58
